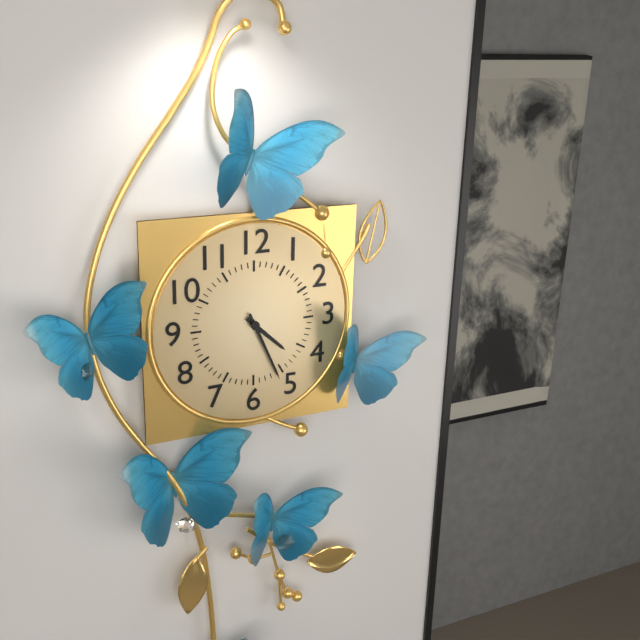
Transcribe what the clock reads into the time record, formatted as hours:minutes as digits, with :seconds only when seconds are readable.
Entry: 4:26
